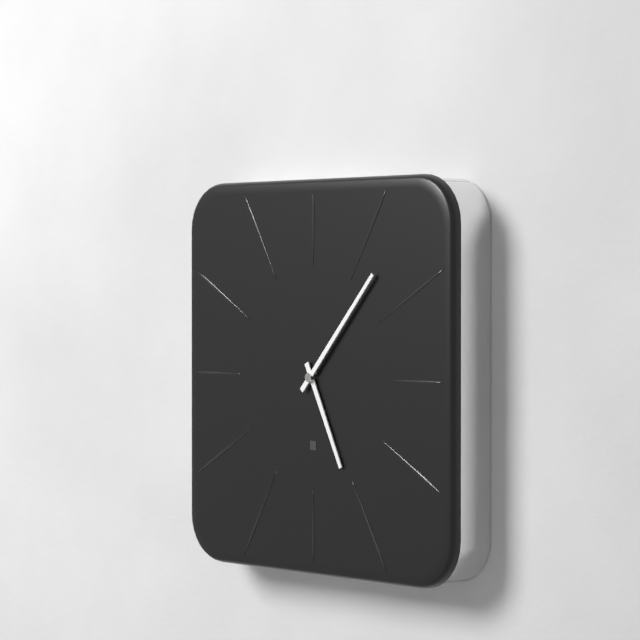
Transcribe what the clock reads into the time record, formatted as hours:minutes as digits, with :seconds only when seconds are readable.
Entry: 5:07
